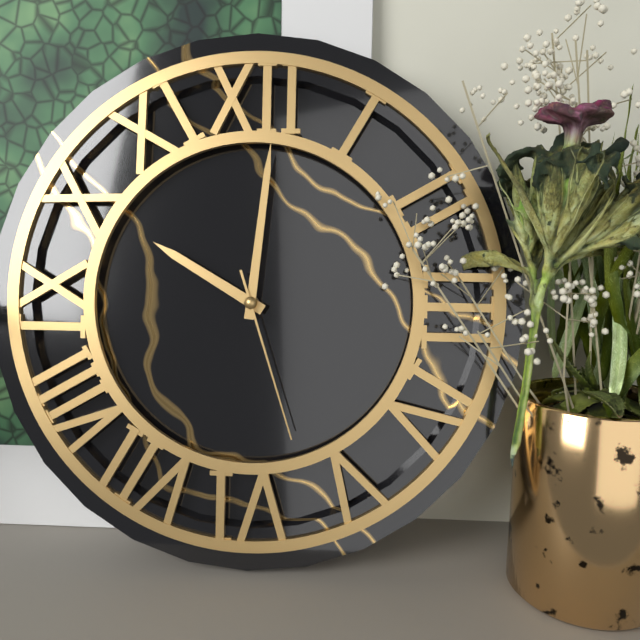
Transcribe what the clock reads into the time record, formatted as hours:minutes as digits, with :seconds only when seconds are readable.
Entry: 10:01:27
